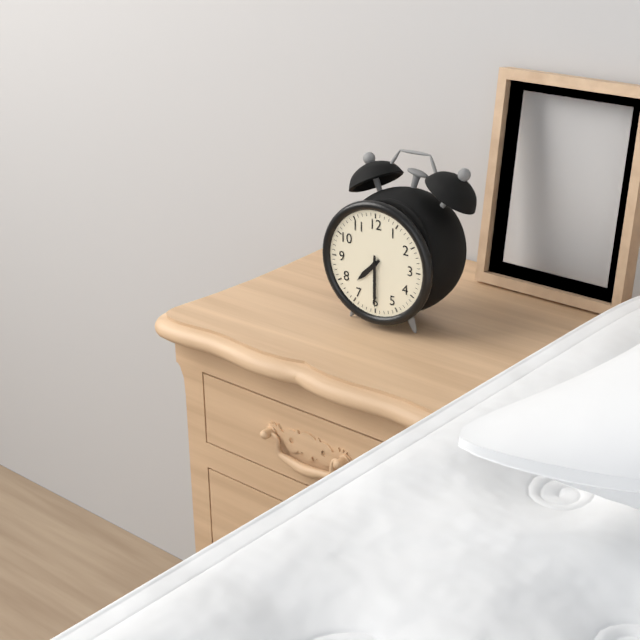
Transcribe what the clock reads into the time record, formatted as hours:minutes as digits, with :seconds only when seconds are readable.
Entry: 7:30
